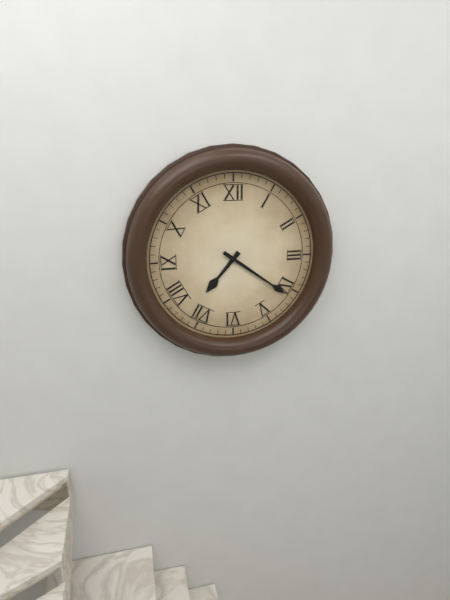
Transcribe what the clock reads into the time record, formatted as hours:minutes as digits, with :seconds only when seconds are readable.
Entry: 7:21
